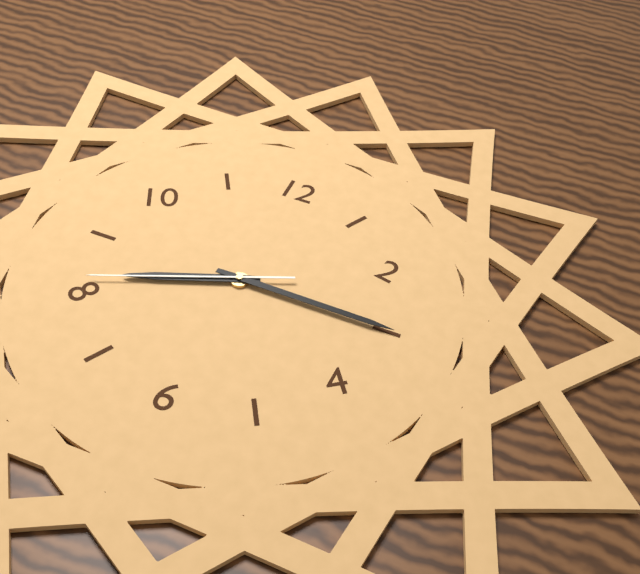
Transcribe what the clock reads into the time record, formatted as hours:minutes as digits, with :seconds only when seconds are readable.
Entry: 8:15:41
